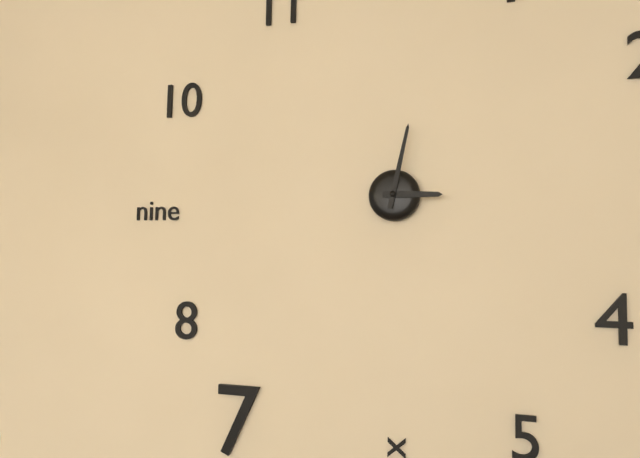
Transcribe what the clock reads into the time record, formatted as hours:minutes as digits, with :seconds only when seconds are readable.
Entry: 3:02
